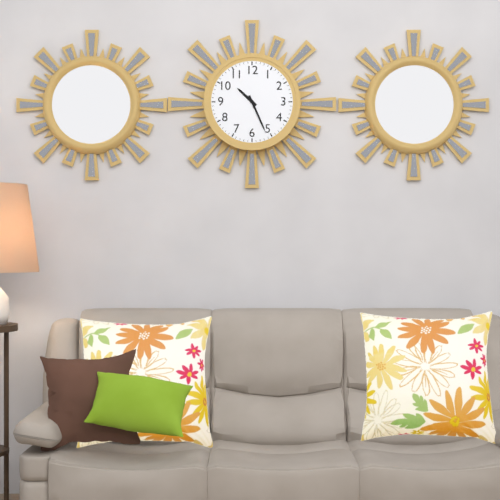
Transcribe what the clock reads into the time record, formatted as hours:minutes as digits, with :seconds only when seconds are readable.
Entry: 10:26
